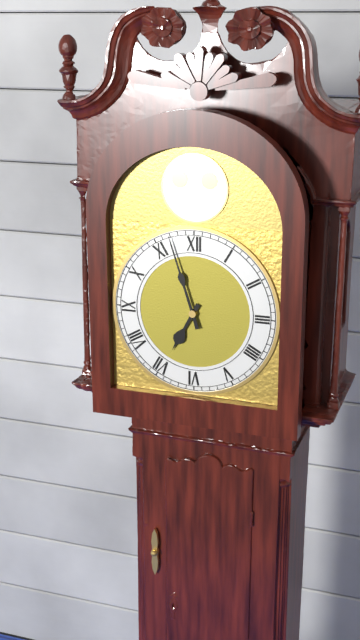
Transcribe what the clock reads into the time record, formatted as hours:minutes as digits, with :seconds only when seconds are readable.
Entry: 6:57
